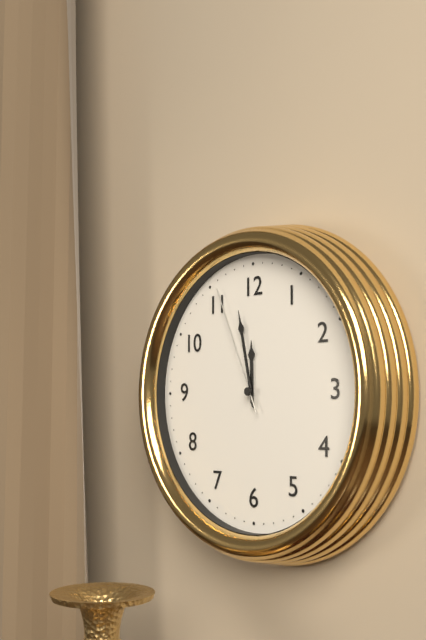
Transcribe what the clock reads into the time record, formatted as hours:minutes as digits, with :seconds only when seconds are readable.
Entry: 11:58:56
